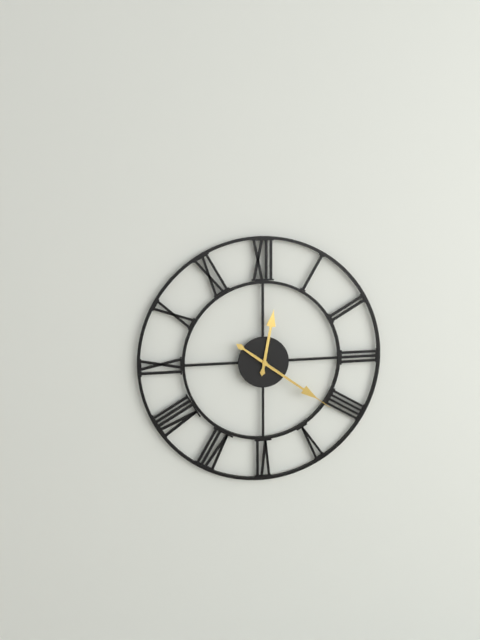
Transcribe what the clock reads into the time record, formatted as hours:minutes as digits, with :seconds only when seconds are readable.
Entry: 12:21
